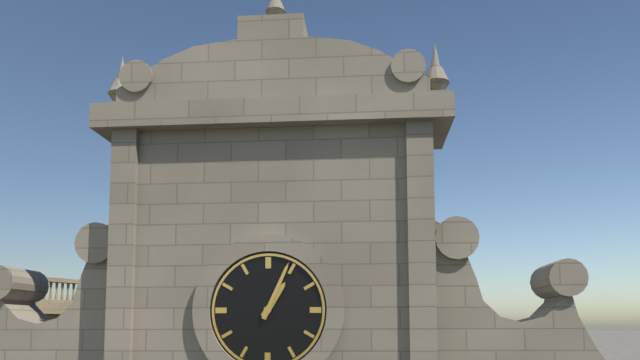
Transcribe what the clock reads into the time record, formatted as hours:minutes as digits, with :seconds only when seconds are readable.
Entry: 1:04
